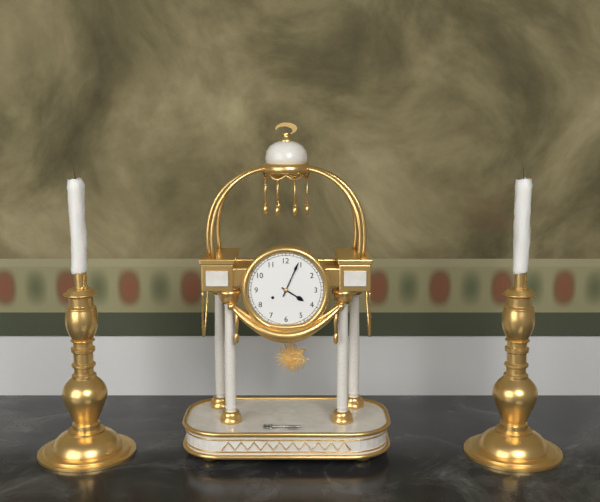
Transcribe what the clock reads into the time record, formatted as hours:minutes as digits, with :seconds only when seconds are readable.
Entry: 4:04
